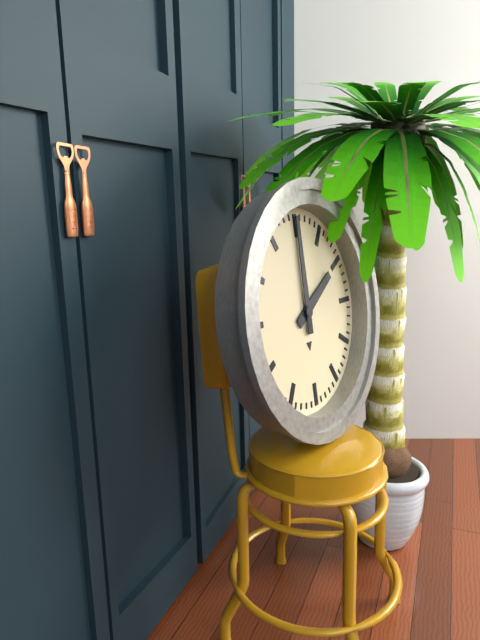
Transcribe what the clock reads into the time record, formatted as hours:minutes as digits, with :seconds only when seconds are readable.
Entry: 2:00
